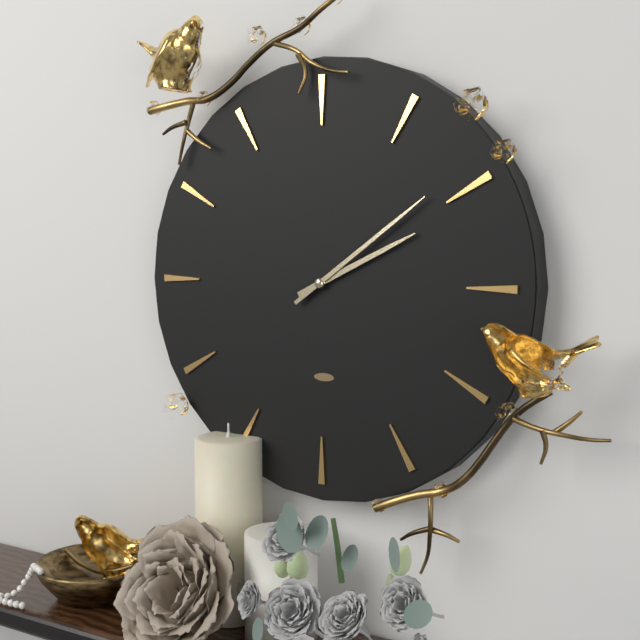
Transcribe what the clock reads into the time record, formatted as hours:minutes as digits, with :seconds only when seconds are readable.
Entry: 2:09
